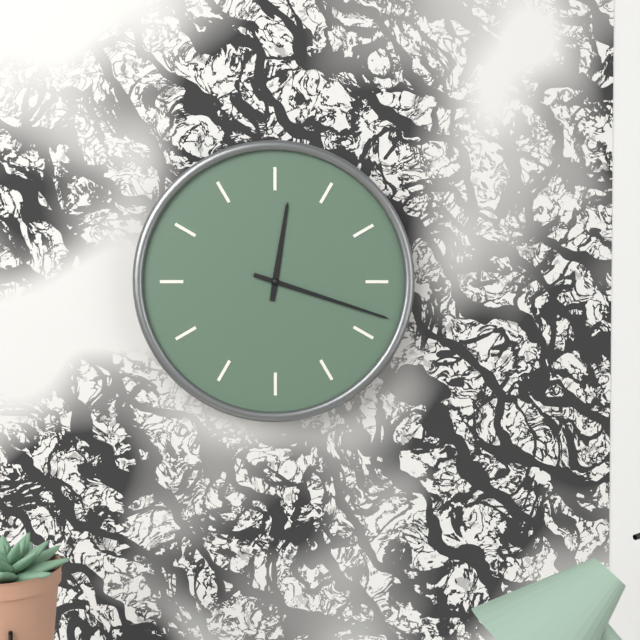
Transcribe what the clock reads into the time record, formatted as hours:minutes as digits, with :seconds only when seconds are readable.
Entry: 12:18
